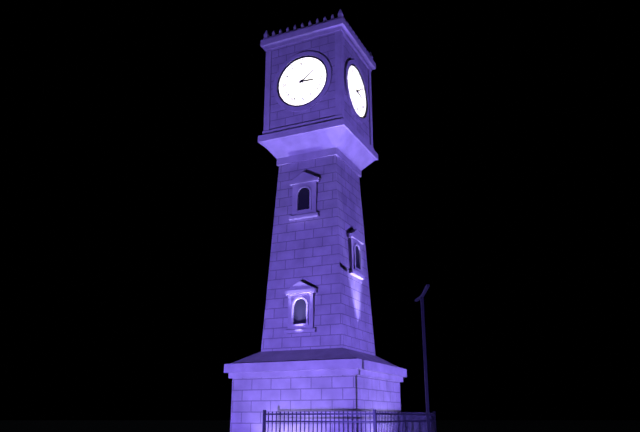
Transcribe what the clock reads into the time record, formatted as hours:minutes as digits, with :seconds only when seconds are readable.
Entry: 3:09
